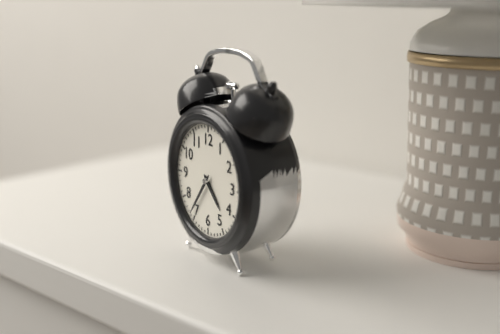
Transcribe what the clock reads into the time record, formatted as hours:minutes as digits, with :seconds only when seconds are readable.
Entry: 4:36
